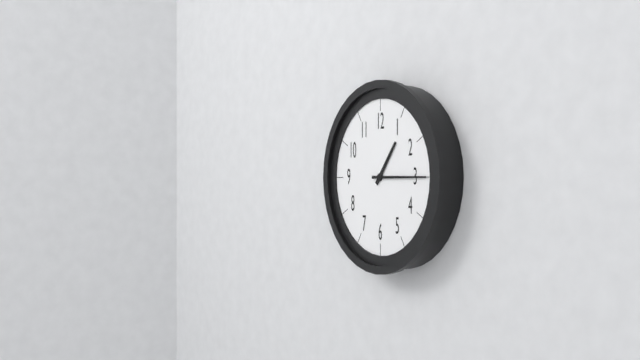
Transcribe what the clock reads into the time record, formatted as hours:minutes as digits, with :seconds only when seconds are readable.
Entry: 1:15
